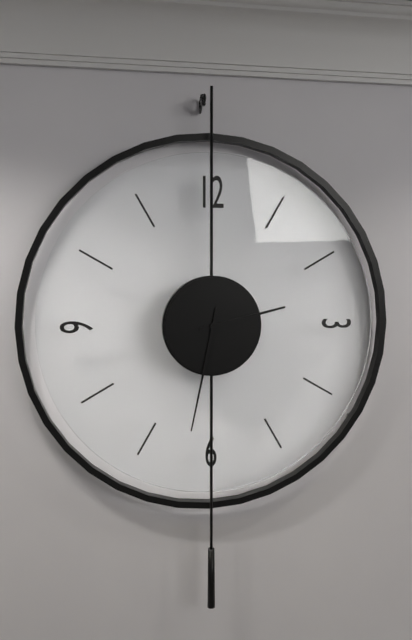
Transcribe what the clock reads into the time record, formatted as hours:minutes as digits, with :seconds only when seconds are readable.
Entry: 2:32
